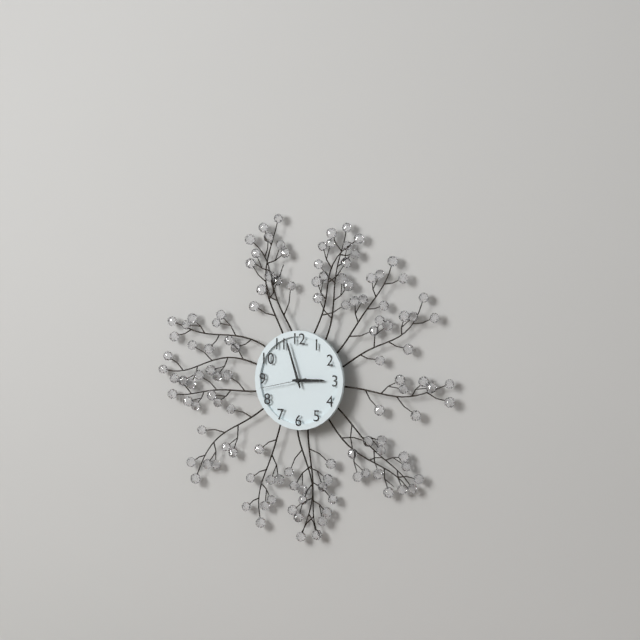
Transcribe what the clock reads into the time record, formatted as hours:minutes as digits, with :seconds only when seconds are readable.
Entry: 2:57
